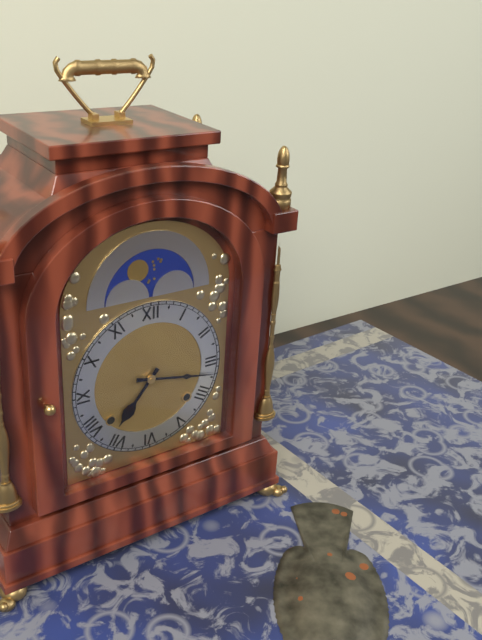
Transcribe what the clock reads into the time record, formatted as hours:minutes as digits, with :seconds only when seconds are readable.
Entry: 7:17
